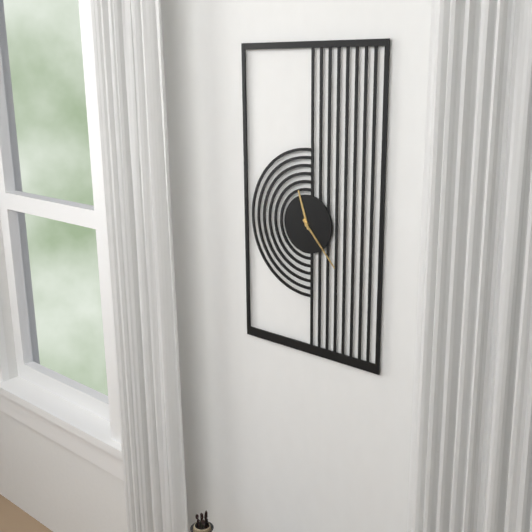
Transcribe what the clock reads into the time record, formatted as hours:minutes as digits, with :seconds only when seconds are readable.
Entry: 11:23
